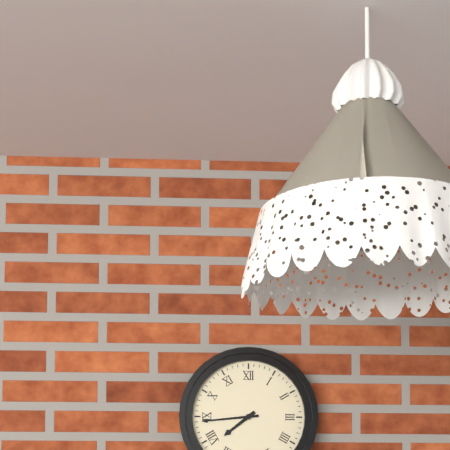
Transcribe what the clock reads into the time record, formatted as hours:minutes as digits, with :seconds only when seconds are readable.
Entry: 7:44
